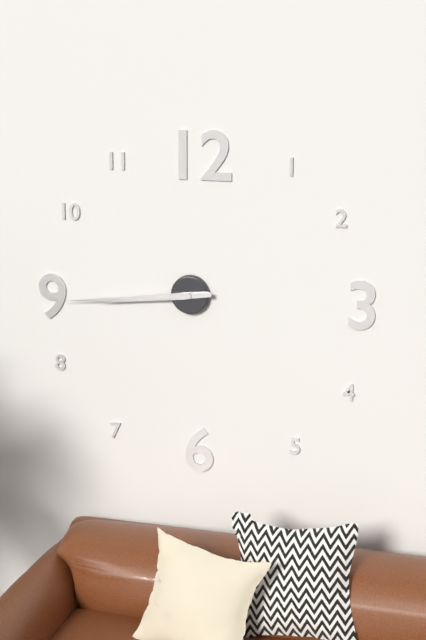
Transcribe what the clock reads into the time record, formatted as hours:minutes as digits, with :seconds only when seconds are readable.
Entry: 8:44
